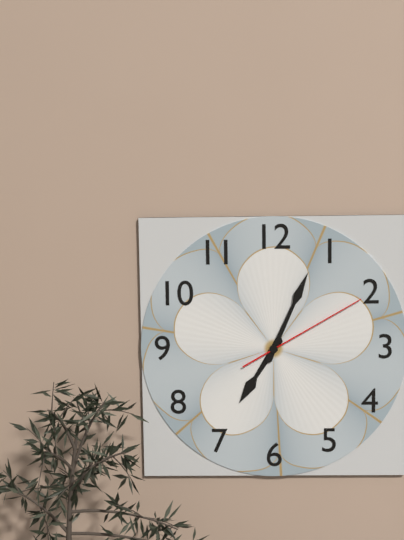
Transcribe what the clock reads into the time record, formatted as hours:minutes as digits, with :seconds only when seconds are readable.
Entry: 7:04:10
